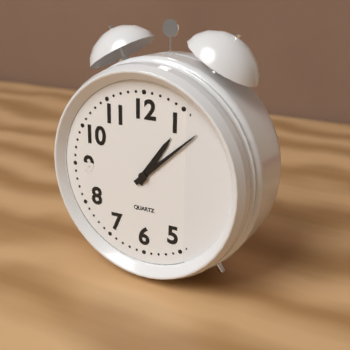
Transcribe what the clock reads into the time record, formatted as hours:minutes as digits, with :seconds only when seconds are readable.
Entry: 1:08
